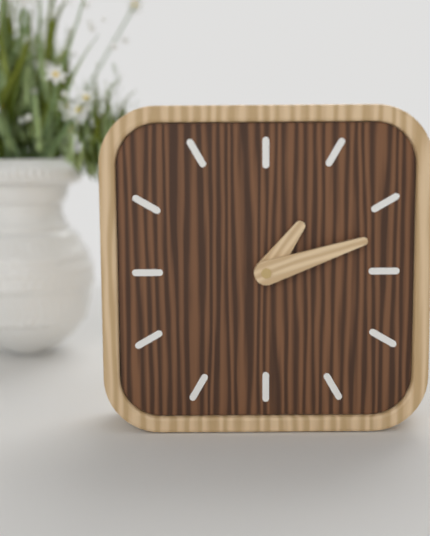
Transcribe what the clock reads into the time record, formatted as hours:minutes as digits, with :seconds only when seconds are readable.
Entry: 1:12
